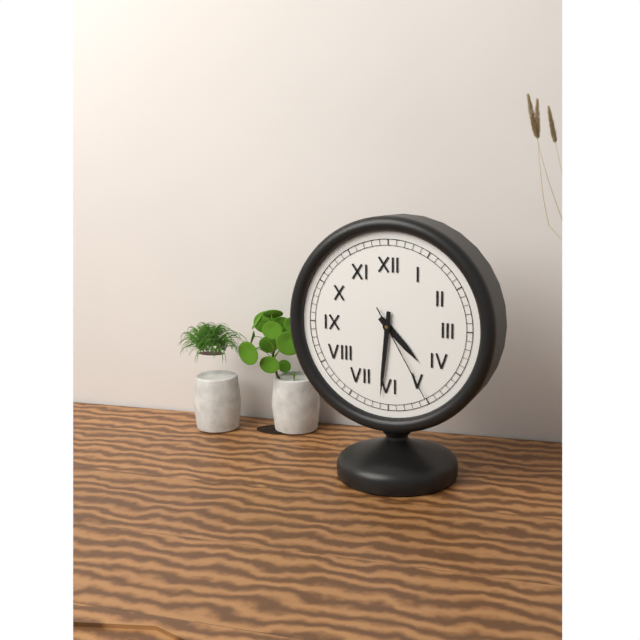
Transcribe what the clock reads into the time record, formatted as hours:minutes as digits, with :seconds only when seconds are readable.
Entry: 4:31:25
